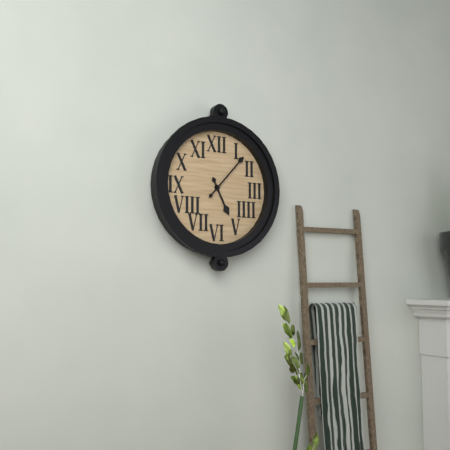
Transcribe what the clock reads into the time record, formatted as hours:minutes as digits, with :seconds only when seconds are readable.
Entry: 5:07
